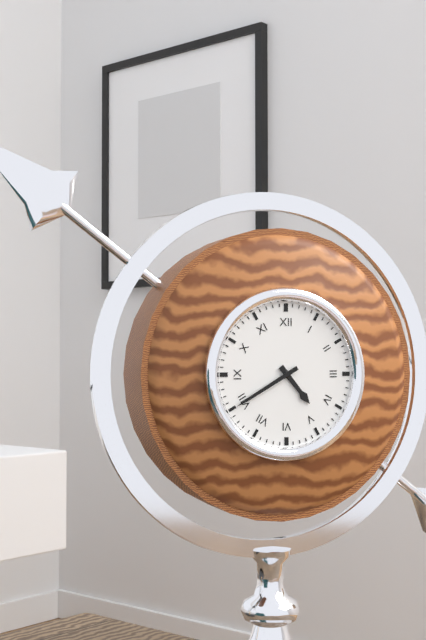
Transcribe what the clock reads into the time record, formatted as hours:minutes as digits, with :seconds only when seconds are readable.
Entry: 4:40
